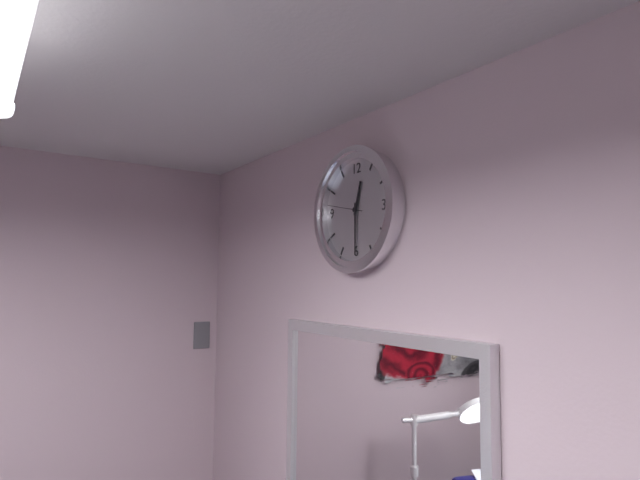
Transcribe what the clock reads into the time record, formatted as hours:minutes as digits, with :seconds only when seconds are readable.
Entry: 12:30
